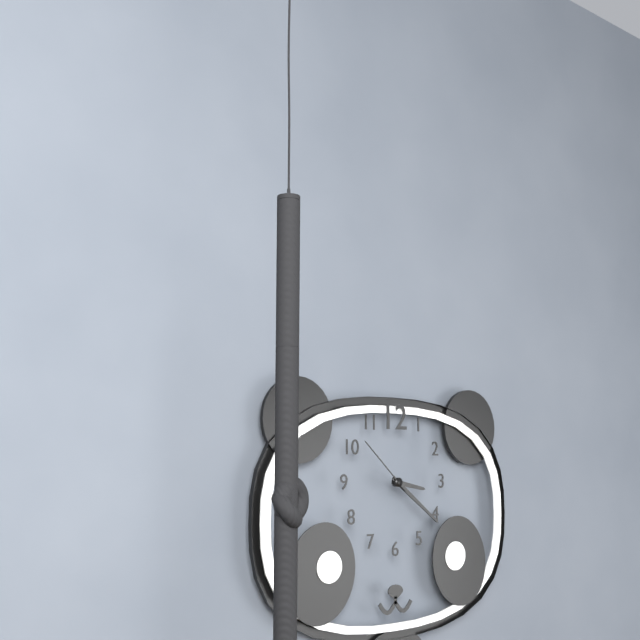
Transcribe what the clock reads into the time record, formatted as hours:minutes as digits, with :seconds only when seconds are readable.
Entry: 3:21:52
